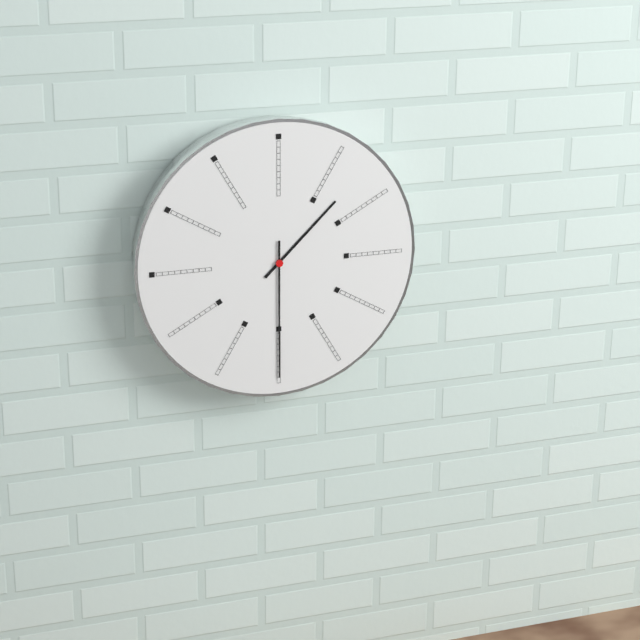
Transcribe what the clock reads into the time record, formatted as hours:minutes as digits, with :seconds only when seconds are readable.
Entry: 1:30
